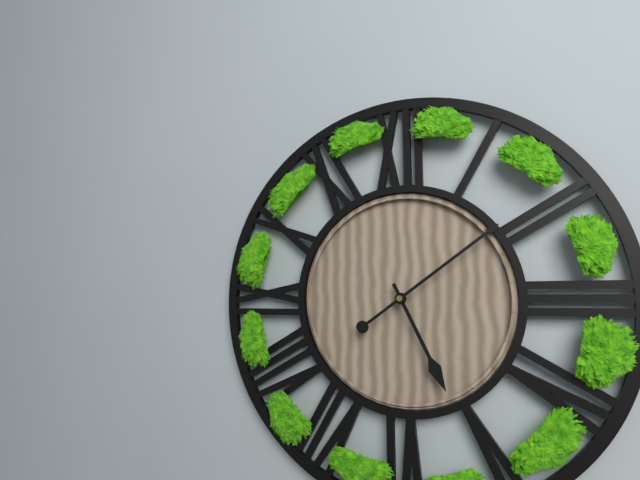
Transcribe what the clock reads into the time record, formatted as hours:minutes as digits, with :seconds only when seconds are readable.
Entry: 5:09
